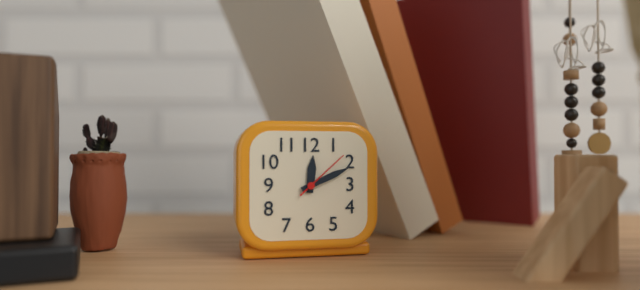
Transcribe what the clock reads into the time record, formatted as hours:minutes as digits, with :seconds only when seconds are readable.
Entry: 12:11:08
